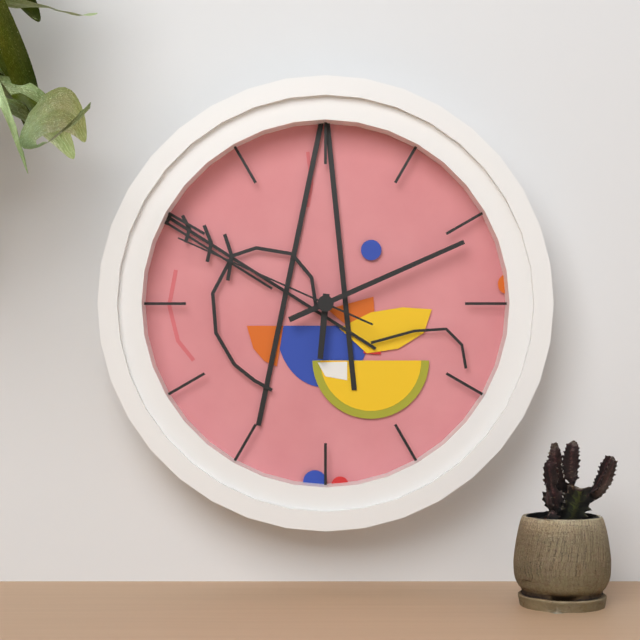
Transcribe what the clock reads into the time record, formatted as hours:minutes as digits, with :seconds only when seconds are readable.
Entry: 6:11:49
